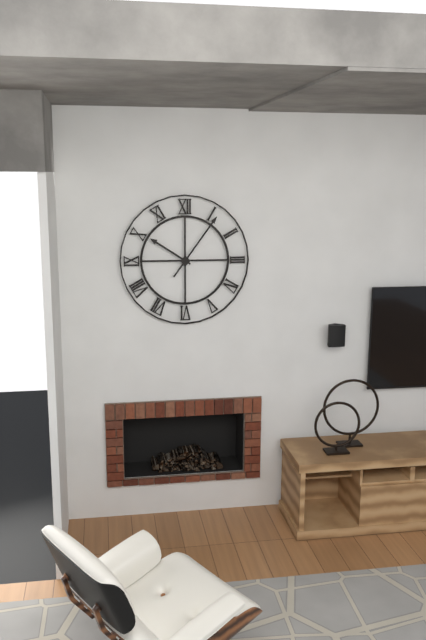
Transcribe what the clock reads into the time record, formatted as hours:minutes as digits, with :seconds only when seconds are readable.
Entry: 10:06
